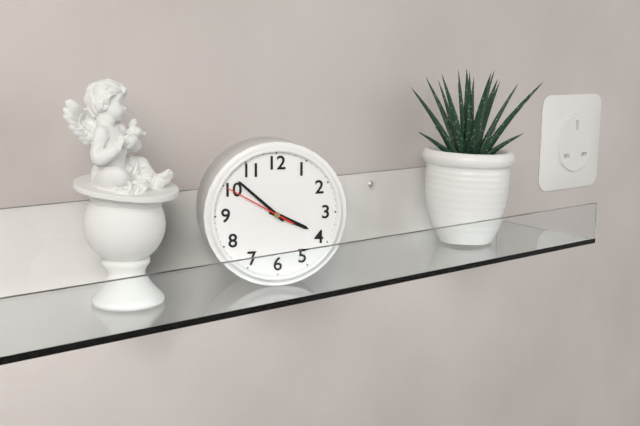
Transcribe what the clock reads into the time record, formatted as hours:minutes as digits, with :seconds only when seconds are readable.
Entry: 3:52:50
